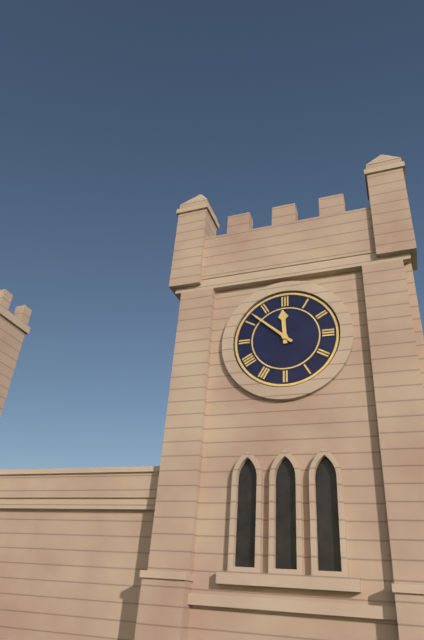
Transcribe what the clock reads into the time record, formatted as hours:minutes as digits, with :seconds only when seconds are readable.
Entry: 11:52
